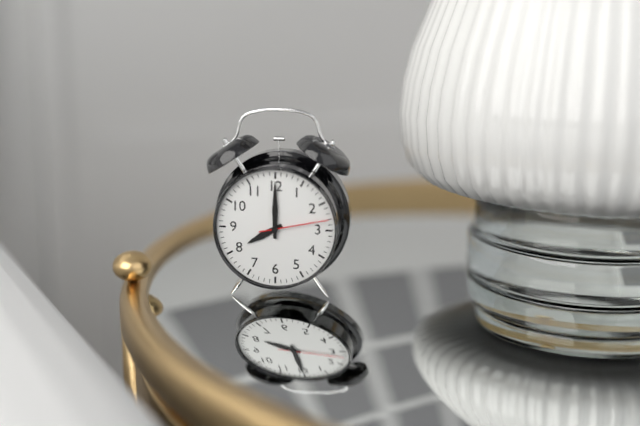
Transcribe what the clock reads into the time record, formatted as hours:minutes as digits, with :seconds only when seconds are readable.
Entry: 8:00:13
